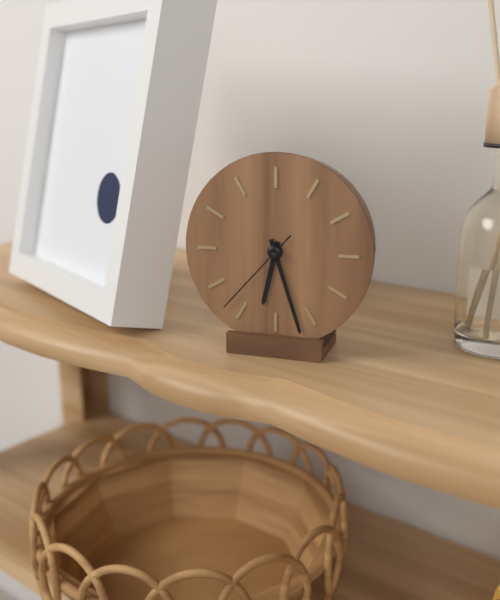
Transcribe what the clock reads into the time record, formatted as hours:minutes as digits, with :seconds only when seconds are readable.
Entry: 6:27:37
